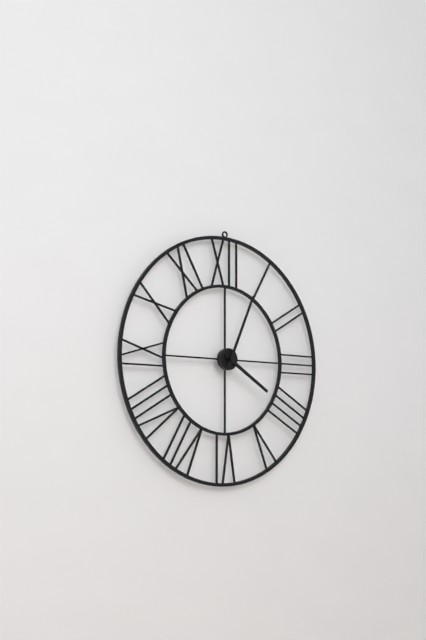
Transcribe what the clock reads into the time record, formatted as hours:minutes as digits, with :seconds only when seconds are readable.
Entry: 4:04
